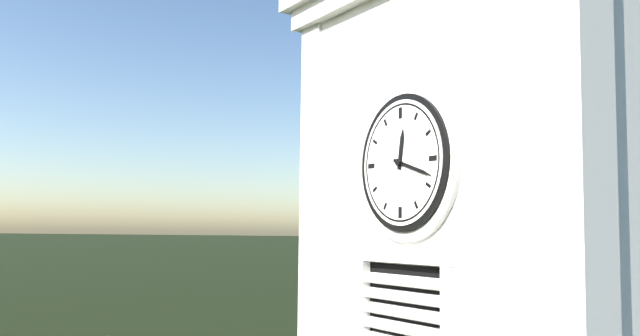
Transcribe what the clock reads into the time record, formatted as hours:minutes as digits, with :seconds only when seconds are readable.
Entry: 12:18
